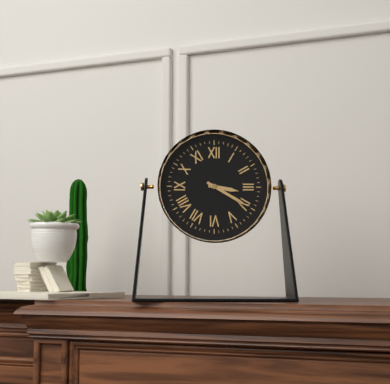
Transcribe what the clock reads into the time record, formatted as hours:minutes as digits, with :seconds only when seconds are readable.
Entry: 3:20
